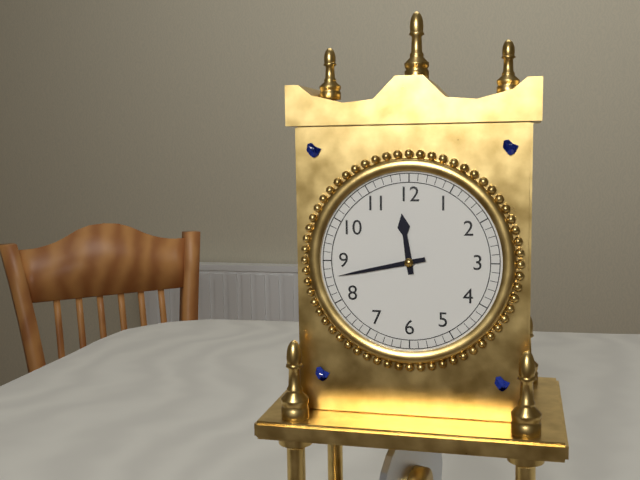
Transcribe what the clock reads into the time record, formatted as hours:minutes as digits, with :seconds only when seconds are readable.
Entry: 11:43
